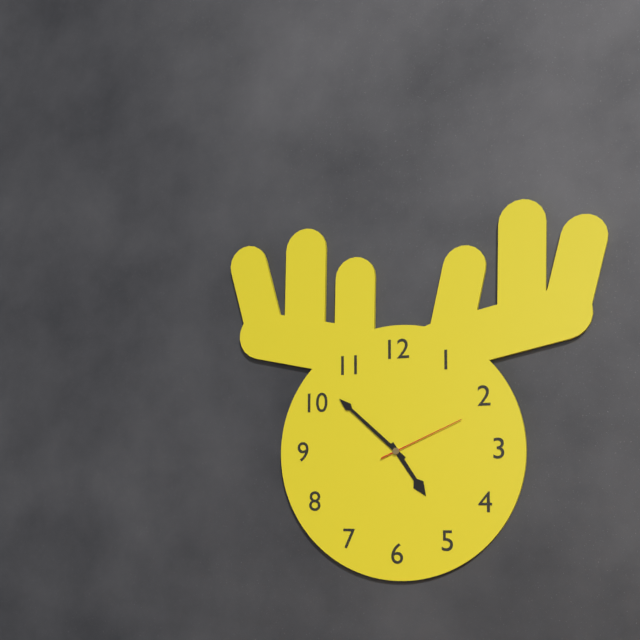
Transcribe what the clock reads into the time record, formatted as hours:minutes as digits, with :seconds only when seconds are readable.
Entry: 4:52:11
